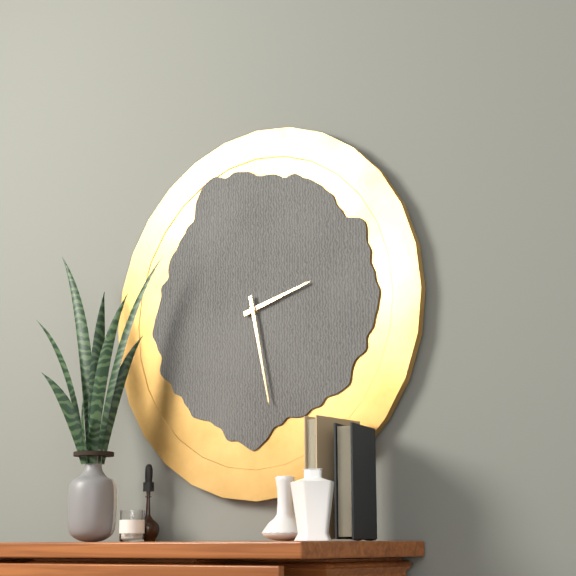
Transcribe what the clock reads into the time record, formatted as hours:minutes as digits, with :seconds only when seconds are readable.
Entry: 2:28
